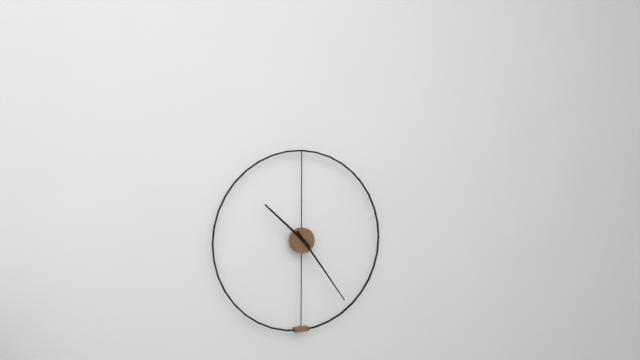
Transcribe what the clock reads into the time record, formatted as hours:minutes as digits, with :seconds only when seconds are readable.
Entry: 10:24
